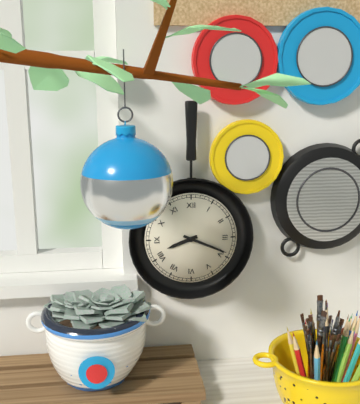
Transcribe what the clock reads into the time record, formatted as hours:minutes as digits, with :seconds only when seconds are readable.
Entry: 8:19
